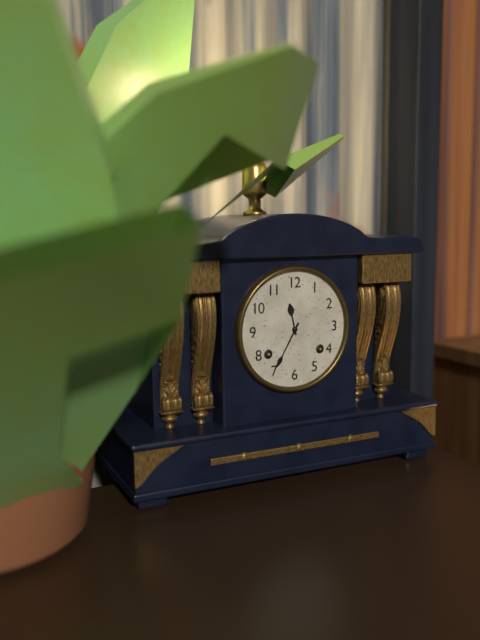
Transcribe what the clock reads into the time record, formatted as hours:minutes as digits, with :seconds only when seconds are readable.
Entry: 11:35
